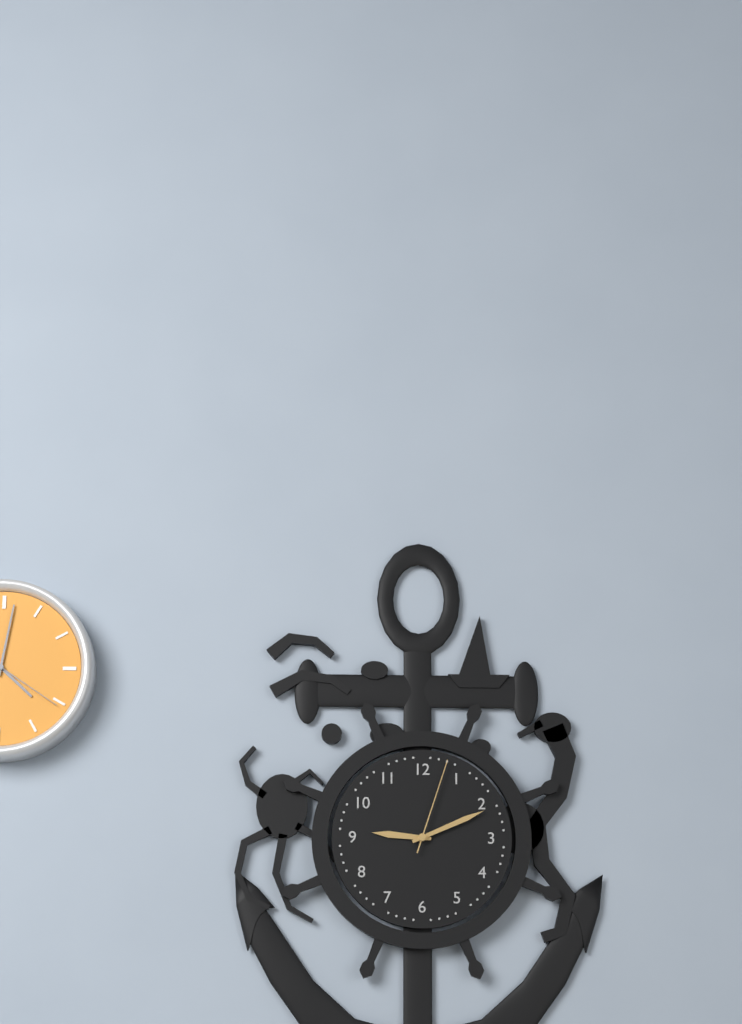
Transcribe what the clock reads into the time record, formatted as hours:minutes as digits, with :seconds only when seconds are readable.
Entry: 9:11:03
